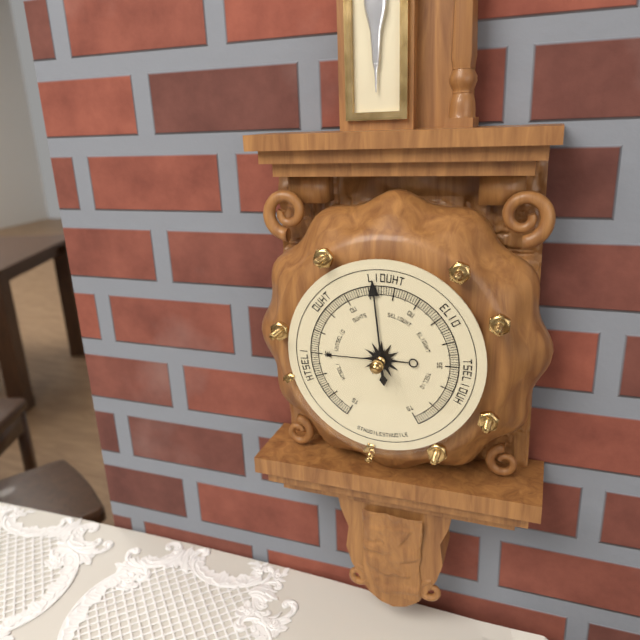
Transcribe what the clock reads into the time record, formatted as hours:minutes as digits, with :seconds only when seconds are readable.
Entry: 8:59
